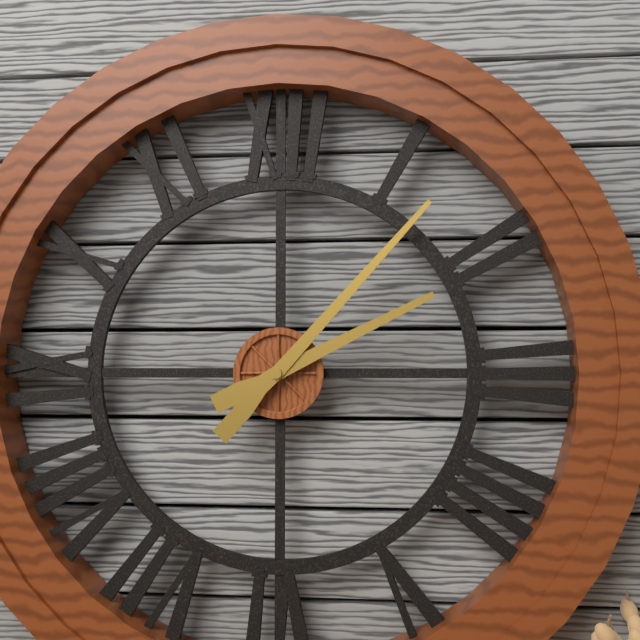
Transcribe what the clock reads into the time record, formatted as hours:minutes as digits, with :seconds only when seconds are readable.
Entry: 2:07
